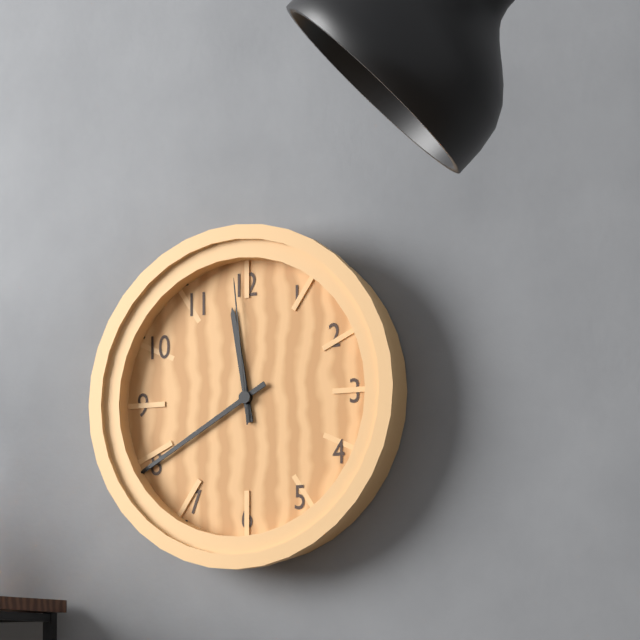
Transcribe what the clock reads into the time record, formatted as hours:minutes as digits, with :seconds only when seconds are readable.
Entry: 11:40:59
